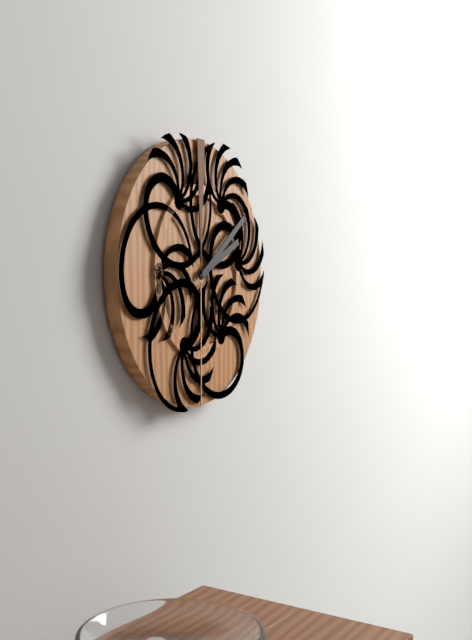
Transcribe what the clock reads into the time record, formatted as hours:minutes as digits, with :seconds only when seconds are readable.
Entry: 2:09
